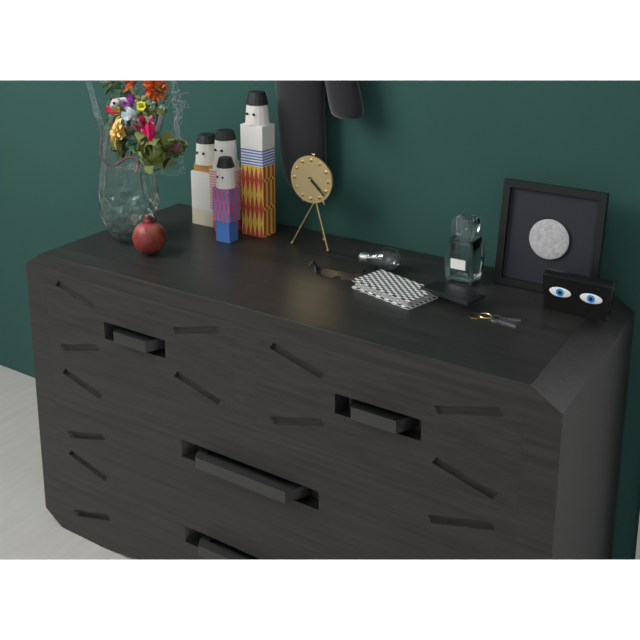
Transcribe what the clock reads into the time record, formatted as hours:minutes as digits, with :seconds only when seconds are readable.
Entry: 4:22
